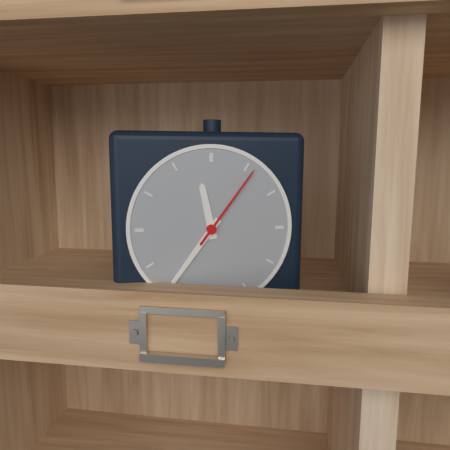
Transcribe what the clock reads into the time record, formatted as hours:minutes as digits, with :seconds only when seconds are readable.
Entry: 11:36:06
